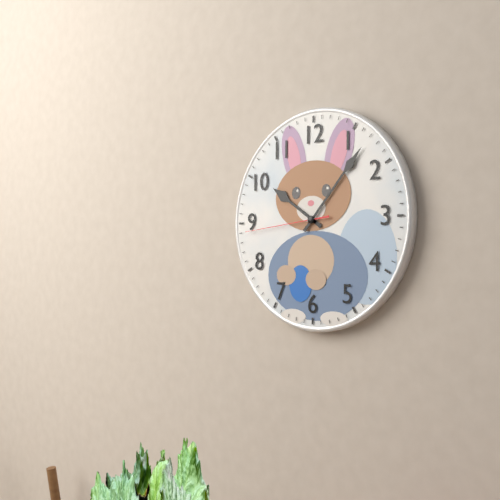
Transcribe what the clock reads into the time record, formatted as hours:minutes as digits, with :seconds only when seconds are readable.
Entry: 10:07:44
